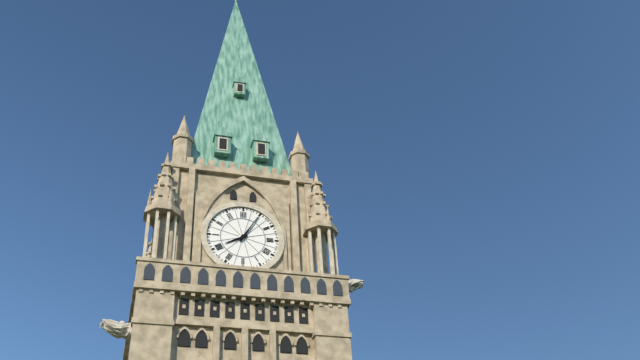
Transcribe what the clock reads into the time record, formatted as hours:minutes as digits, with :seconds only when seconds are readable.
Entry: 8:05
